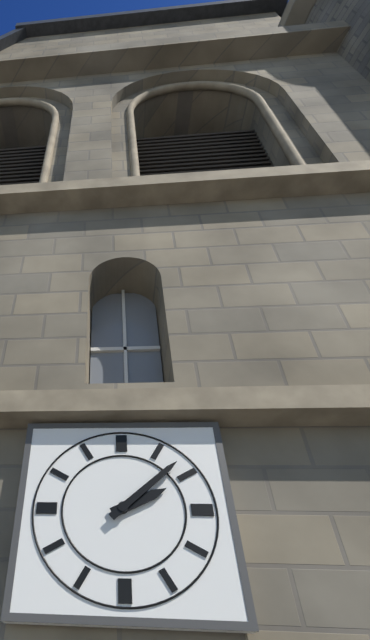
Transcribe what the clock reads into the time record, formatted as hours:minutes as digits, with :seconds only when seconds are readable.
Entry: 2:08
